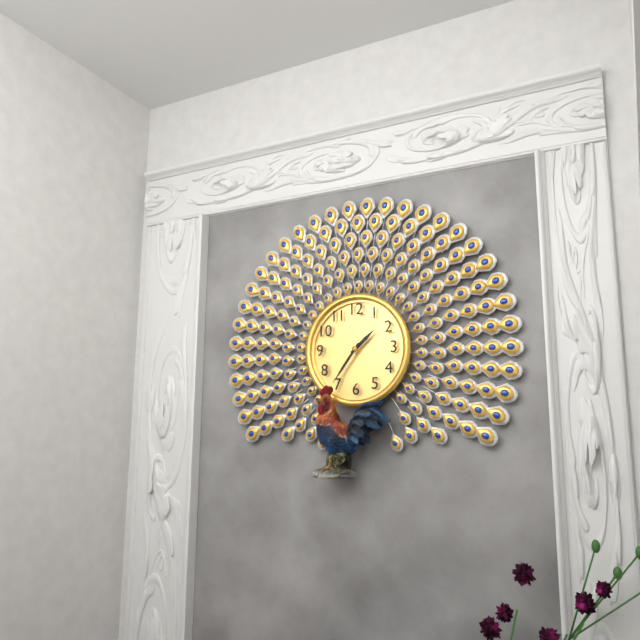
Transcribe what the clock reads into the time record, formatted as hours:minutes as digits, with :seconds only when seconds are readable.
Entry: 1:36
